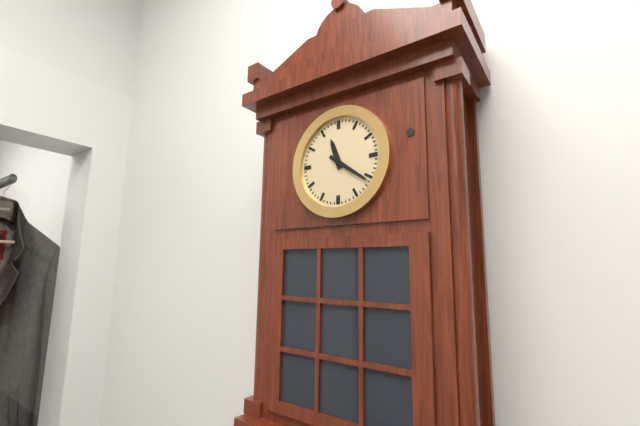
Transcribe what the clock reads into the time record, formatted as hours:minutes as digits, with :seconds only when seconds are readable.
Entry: 11:21
